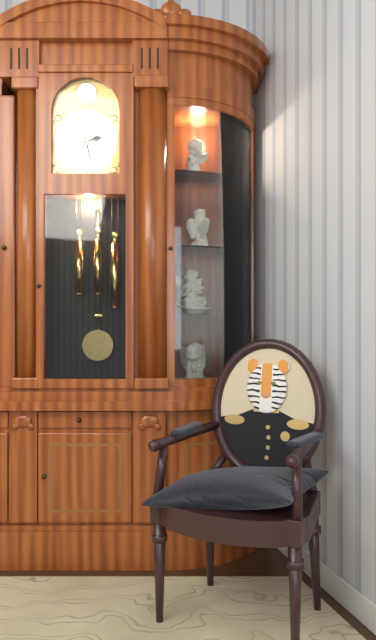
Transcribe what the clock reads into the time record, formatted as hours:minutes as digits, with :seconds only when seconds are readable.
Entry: 2:28
